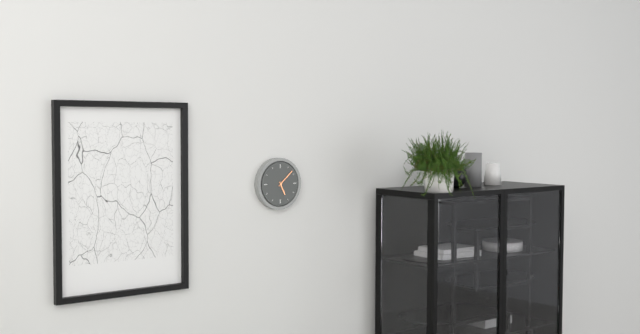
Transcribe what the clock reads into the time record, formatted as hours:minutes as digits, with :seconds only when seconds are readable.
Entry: 5:08
